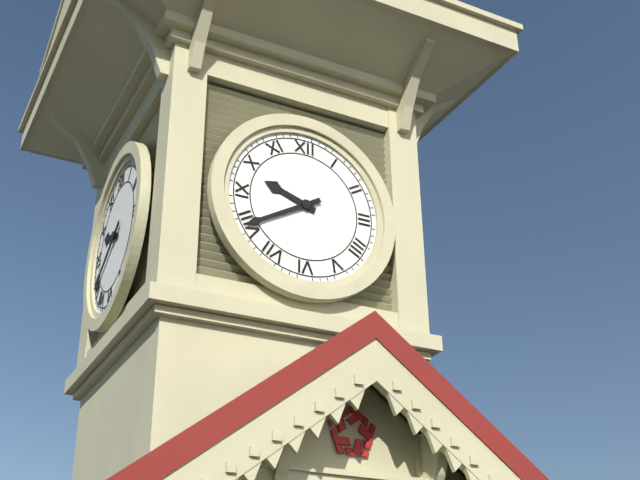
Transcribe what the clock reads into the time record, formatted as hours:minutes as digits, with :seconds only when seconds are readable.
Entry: 9:40
